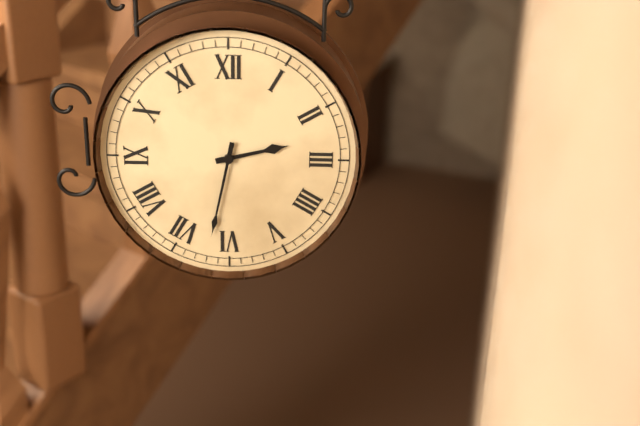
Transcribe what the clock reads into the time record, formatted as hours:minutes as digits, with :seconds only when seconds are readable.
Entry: 2:32
